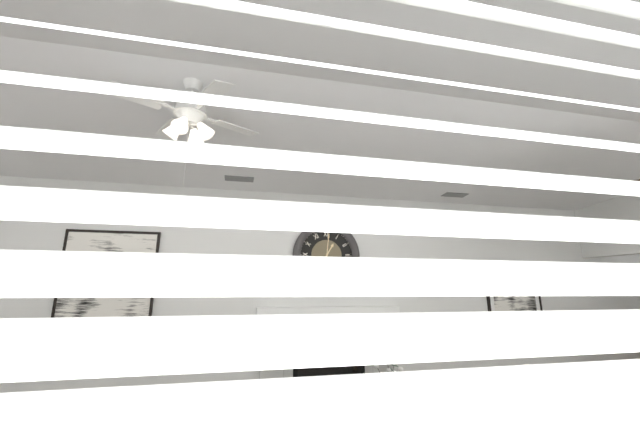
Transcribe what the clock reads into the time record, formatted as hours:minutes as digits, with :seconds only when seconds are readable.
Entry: 1:01
